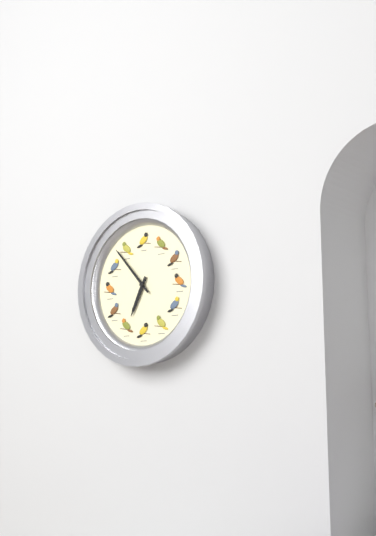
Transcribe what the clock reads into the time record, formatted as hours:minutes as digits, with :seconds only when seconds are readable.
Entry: 6:53
